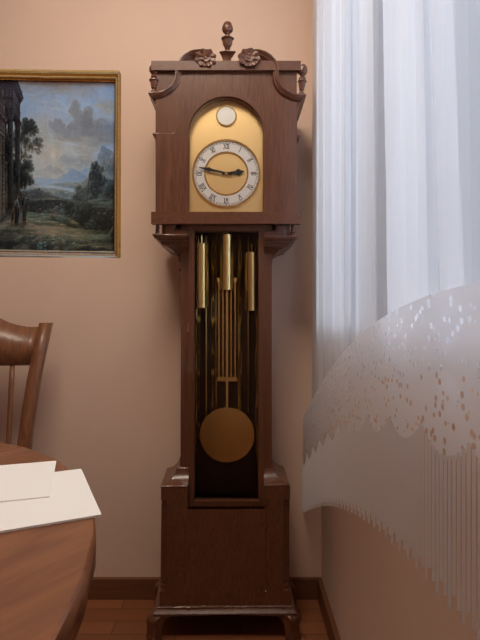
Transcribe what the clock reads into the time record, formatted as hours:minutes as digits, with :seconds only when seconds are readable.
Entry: 2:47
